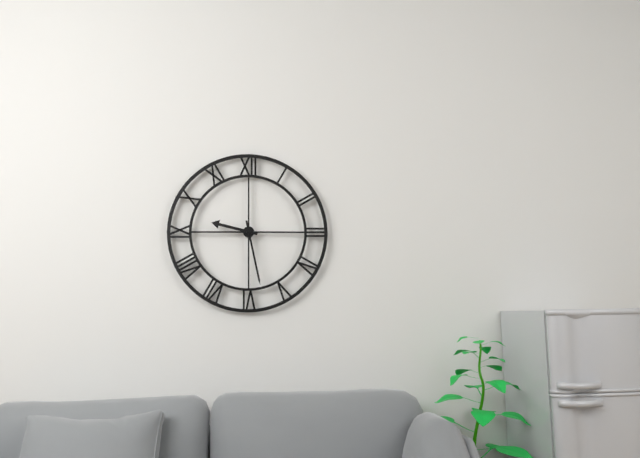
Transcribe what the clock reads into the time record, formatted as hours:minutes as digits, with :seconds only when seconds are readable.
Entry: 9:28
